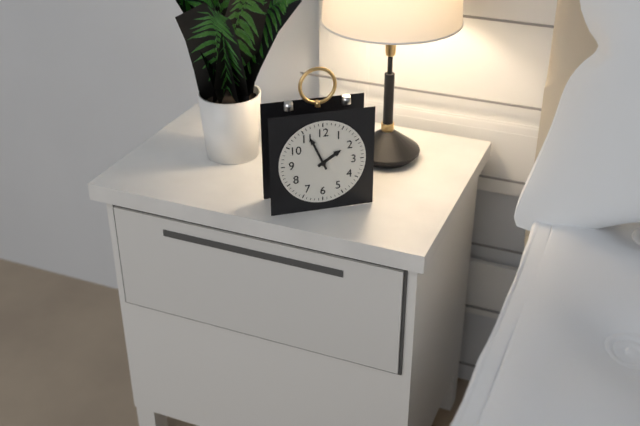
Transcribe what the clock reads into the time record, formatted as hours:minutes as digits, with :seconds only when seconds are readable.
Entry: 1:56
